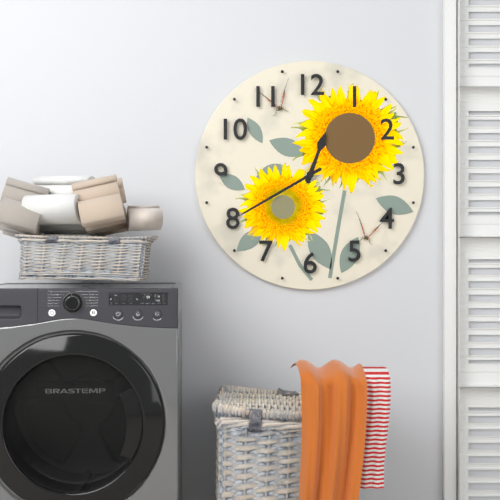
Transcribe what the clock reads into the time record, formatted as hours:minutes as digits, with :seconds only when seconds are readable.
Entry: 12:40
